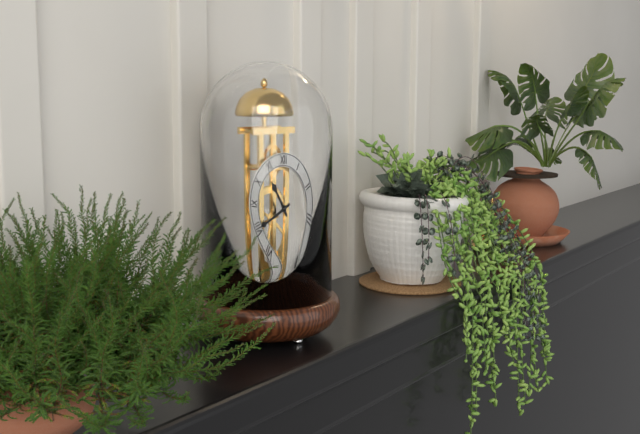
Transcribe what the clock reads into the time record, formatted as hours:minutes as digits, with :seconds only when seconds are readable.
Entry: 10:40
